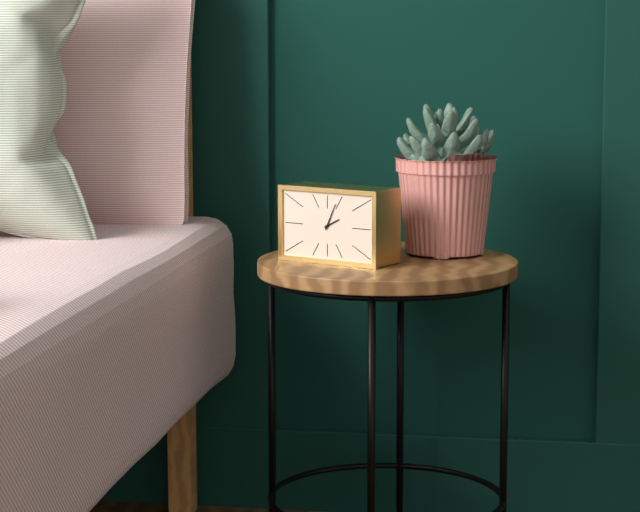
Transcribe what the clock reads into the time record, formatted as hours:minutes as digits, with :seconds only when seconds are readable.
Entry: 2:04
